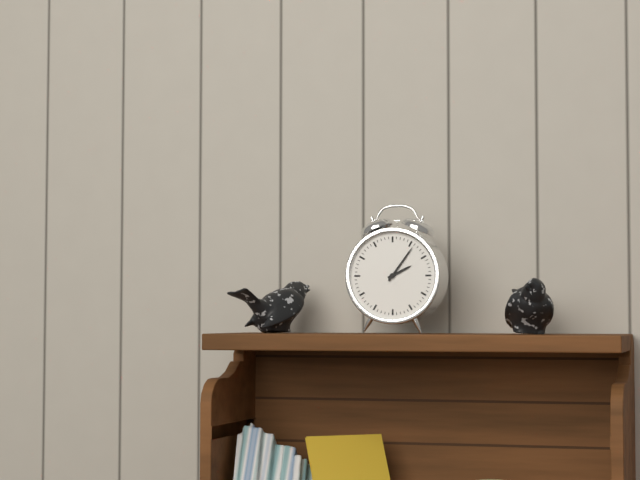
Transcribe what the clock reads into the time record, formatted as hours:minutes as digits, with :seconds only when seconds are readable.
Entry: 2:06
